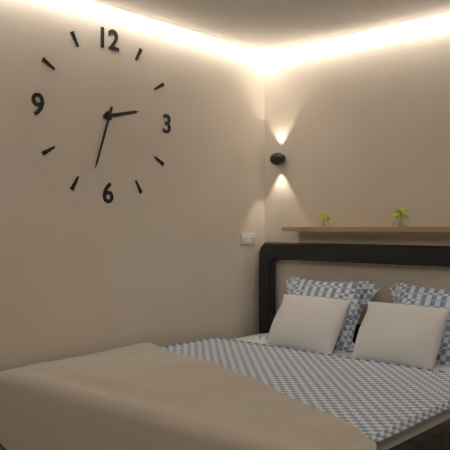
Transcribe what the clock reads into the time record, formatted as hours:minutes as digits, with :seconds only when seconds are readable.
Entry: 2:33
